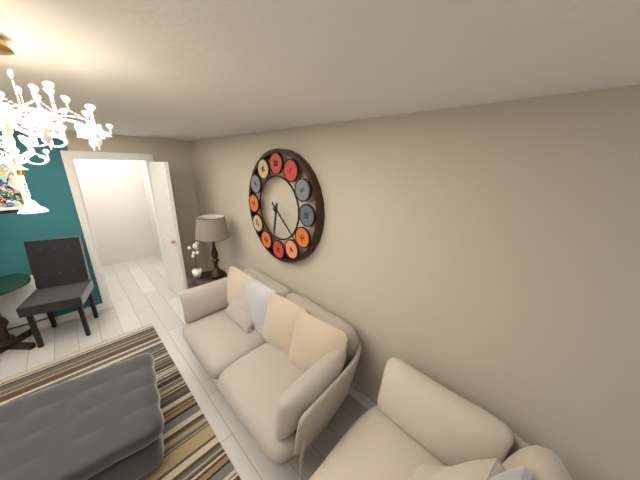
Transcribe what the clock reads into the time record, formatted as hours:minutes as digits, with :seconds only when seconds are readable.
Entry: 6:22
